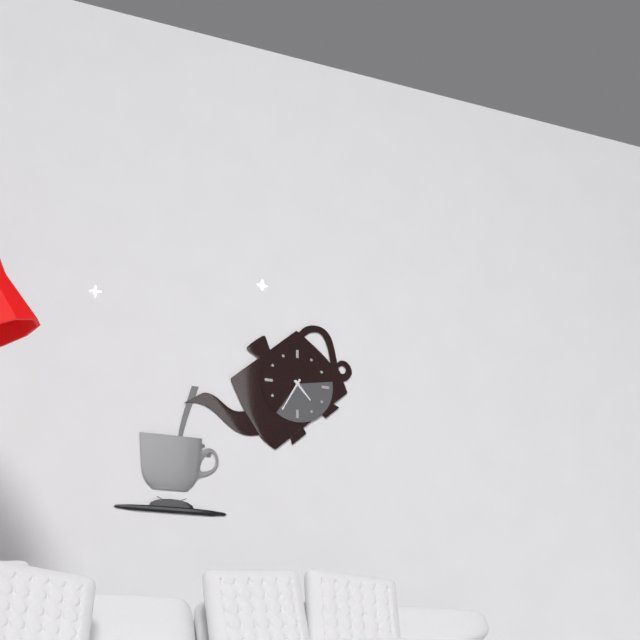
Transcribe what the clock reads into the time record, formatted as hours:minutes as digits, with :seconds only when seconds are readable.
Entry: 4:35
